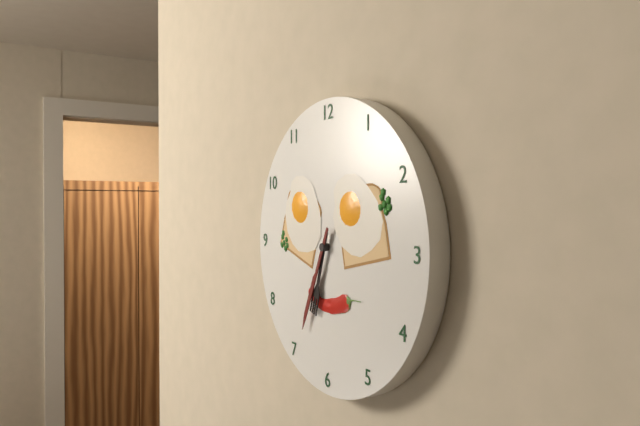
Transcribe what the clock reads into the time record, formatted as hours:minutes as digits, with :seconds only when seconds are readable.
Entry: 6:34
